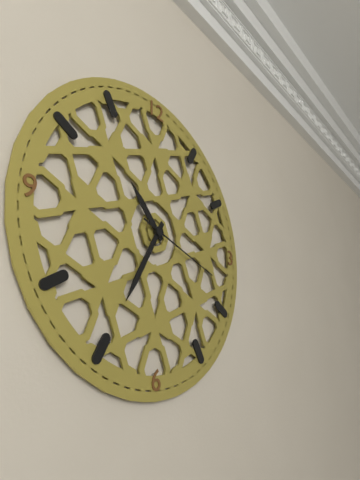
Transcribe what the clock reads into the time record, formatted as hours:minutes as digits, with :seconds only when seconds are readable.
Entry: 10:35:18
